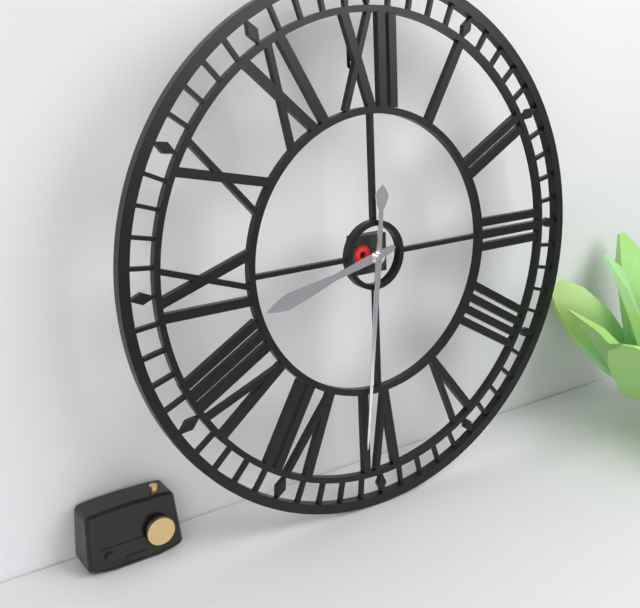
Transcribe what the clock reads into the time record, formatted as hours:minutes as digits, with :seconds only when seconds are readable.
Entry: 8:31
